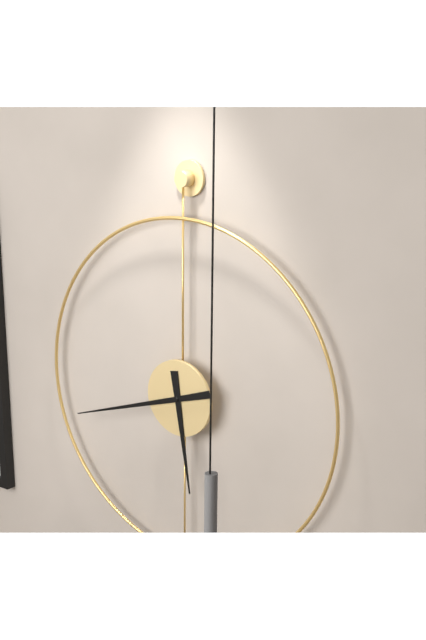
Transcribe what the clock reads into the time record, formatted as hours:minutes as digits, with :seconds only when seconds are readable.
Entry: 5:42
